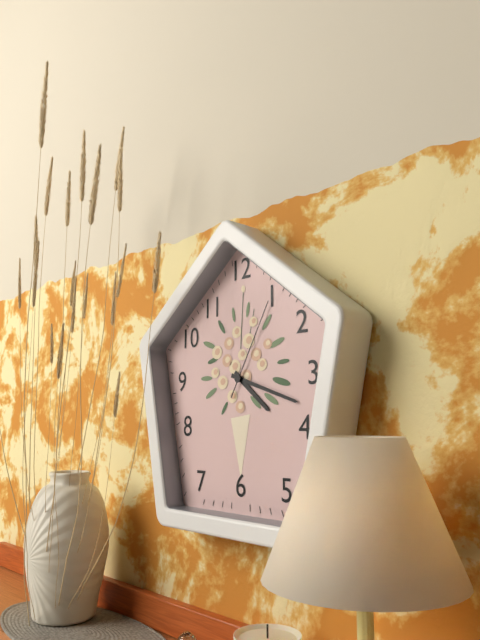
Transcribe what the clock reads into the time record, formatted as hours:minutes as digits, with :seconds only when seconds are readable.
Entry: 4:18:05
